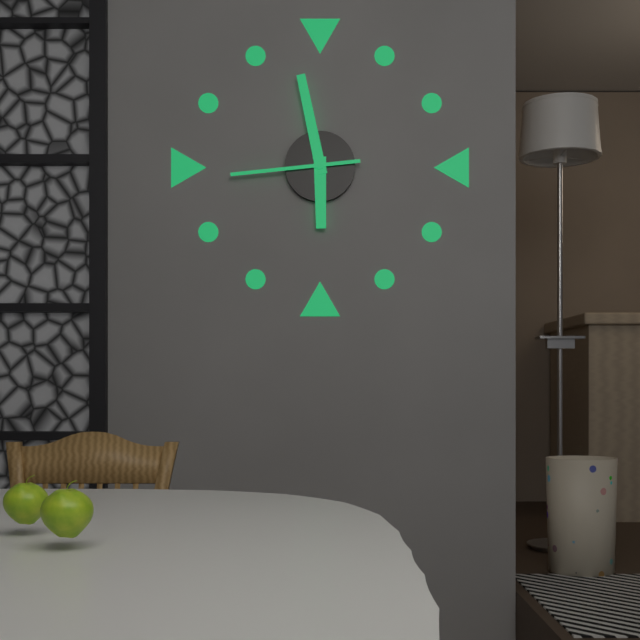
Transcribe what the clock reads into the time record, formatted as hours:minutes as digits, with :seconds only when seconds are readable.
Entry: 5:58:44
